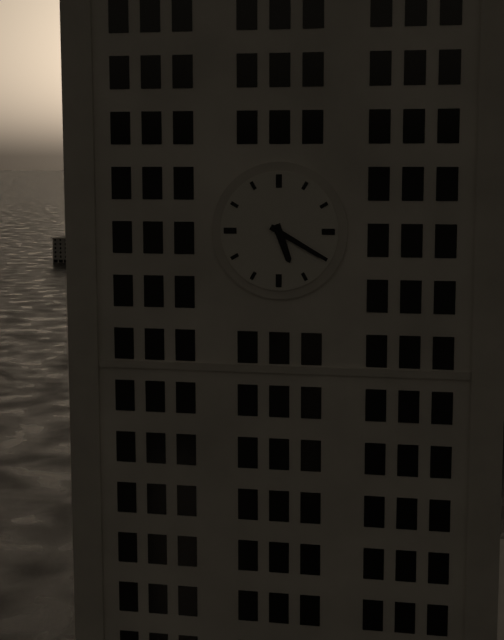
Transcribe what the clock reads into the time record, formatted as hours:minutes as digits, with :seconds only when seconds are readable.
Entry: 5:20
